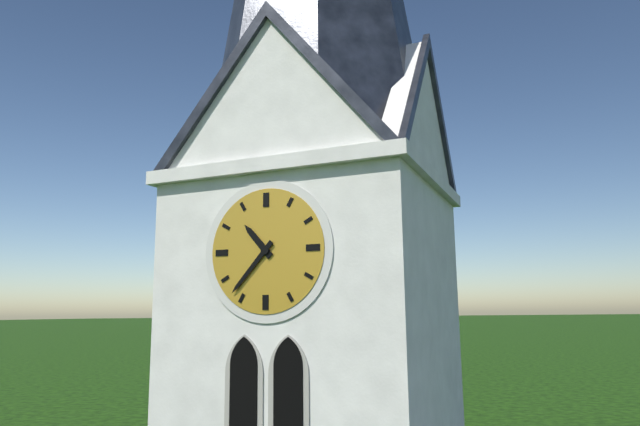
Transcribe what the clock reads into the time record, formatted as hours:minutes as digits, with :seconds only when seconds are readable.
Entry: 10:37
